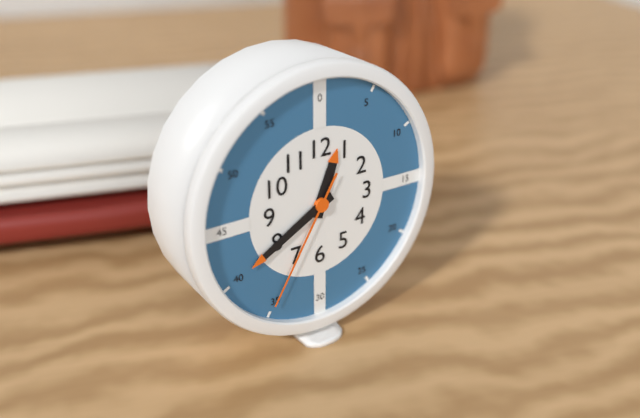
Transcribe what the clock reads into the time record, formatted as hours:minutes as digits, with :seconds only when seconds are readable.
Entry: 12:40:35
